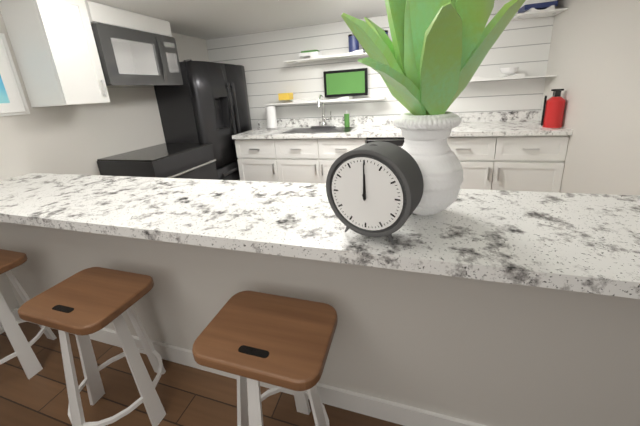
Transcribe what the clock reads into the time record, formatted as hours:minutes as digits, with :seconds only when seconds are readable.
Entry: 12:00
